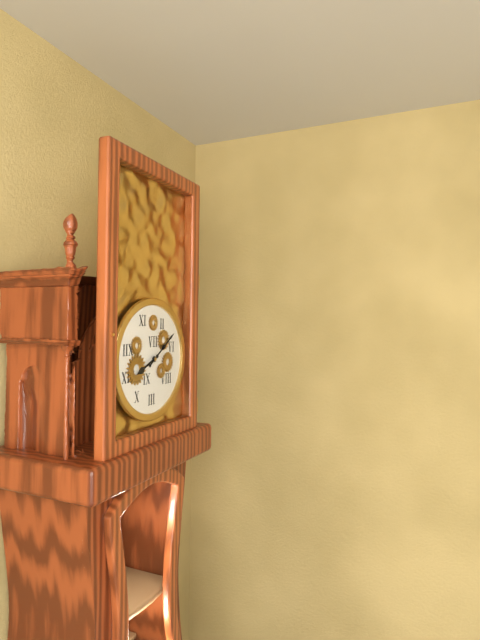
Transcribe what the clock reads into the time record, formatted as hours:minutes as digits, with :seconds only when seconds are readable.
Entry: 8:09
